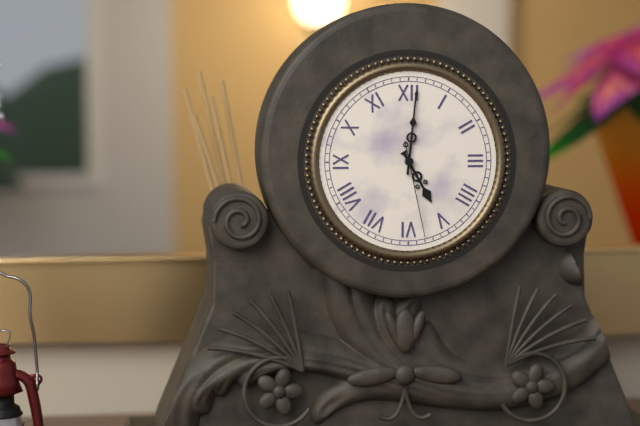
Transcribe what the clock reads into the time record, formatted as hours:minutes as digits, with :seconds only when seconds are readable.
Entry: 5:01:28
